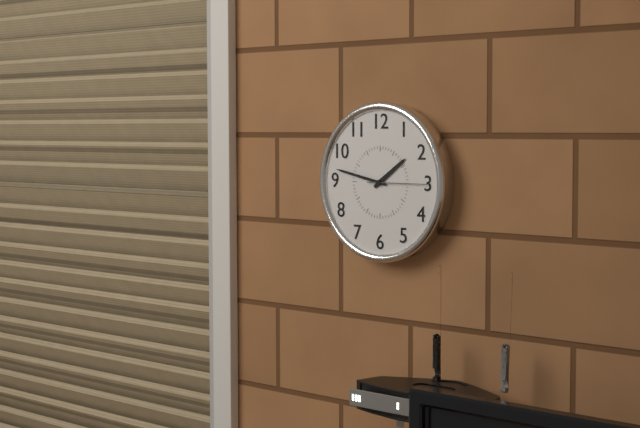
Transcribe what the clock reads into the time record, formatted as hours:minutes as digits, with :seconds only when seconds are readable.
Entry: 1:47:15
